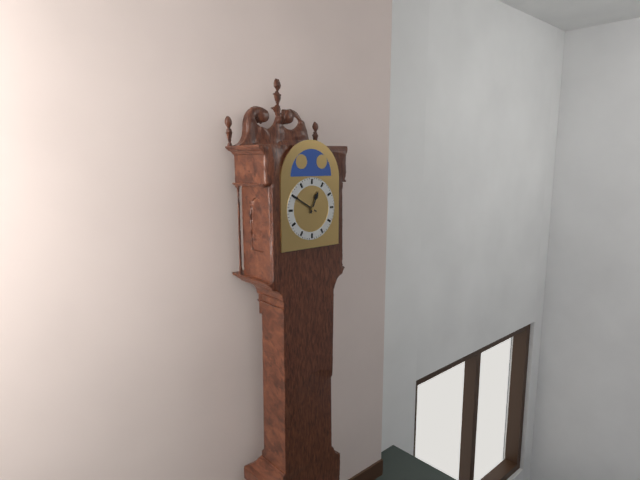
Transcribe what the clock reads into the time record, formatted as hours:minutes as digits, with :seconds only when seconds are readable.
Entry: 12:50
